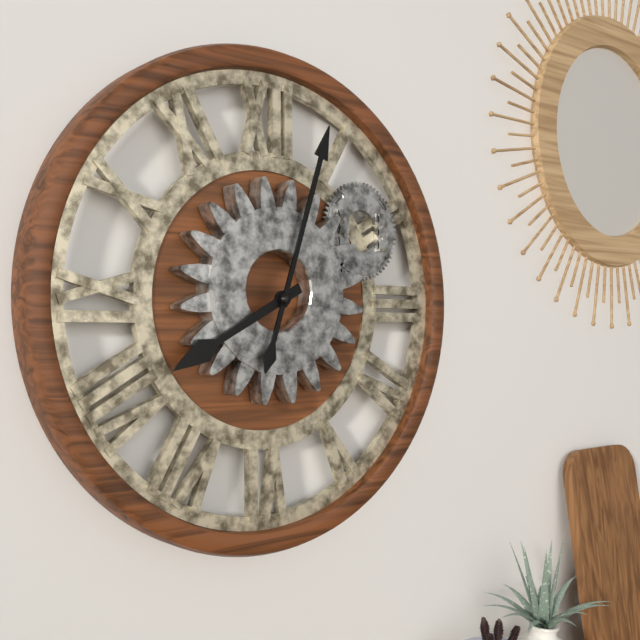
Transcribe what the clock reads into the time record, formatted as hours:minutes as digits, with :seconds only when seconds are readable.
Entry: 8:03
